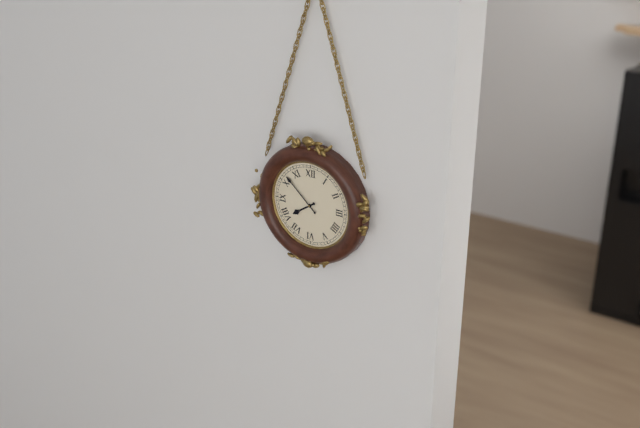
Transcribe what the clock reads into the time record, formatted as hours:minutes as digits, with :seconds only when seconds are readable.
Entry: 7:52
